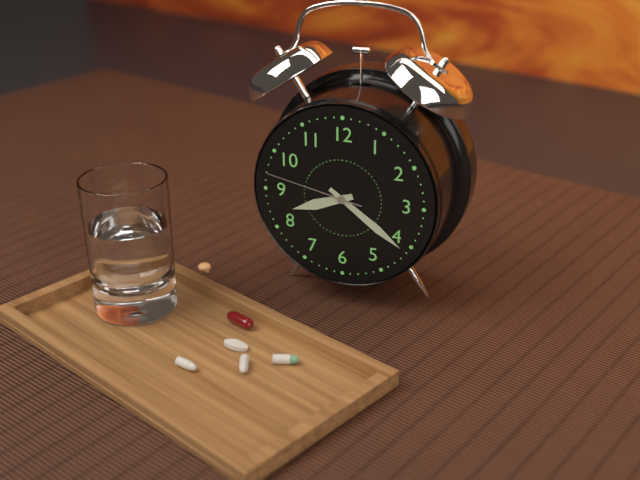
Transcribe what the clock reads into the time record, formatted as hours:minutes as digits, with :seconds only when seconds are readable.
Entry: 8:21:47
